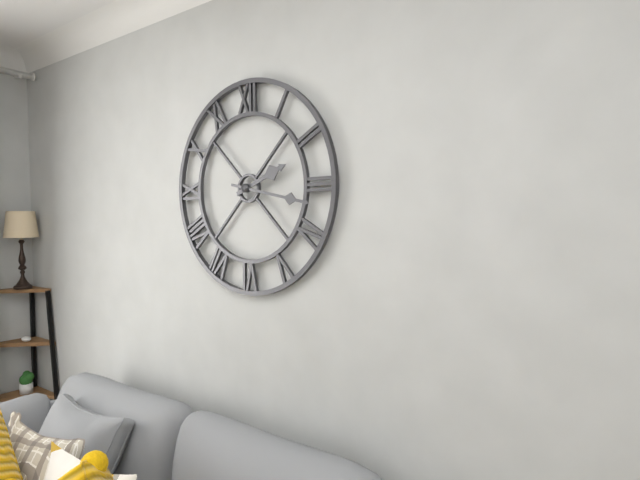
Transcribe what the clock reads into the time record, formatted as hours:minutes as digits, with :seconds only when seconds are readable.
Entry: 2:17
